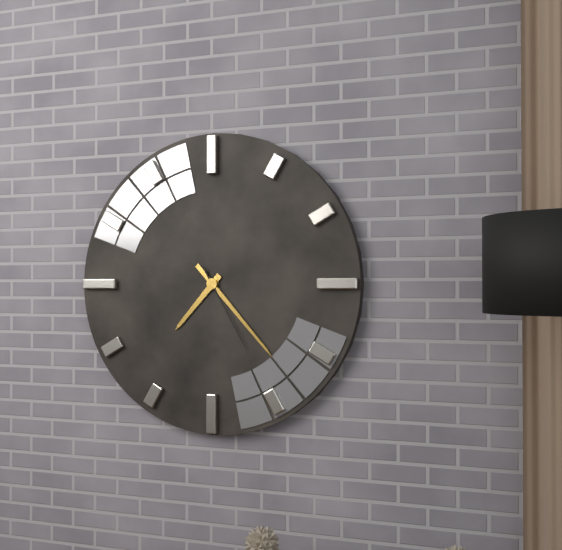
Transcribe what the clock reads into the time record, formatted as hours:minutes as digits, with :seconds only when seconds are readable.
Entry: 7:23:25
